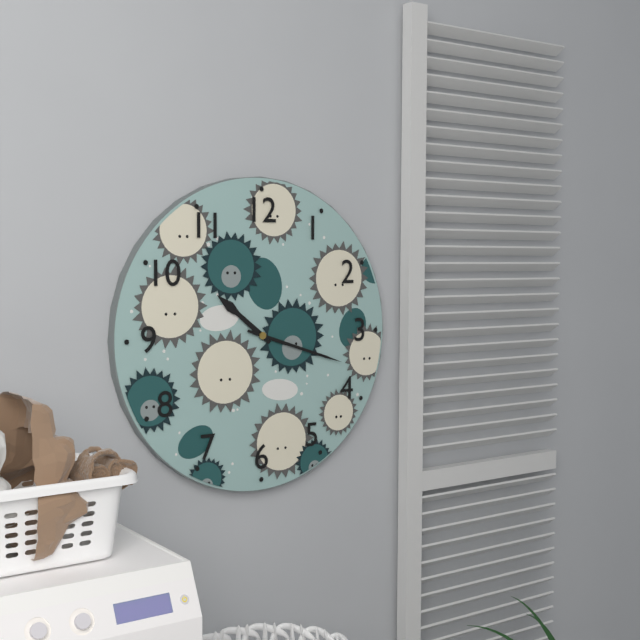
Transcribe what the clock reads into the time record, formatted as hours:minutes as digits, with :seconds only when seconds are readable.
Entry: 10:18
